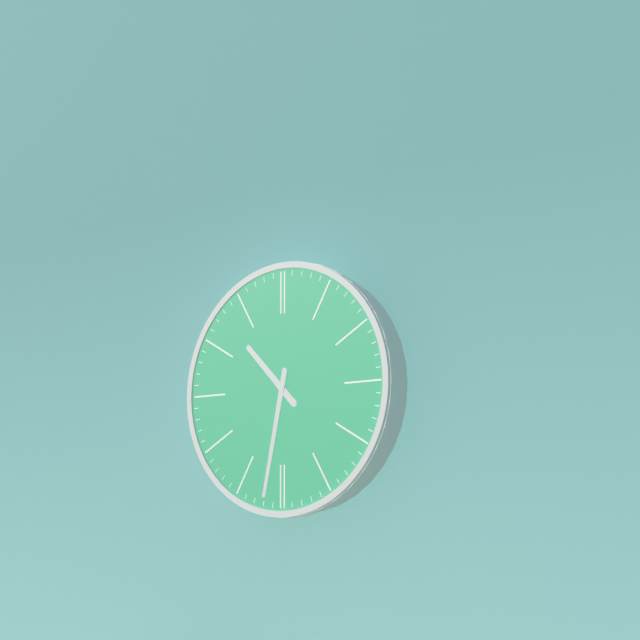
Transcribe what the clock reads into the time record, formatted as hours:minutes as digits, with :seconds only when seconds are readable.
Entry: 10:32
